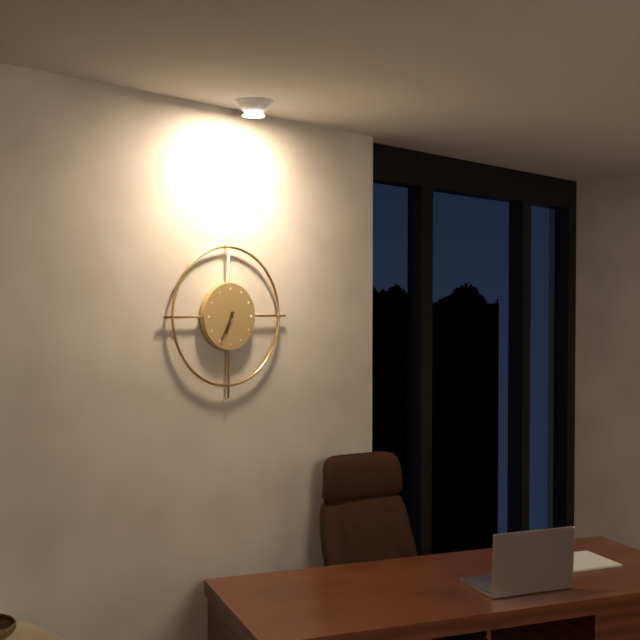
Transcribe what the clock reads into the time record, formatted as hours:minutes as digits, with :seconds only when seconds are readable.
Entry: 6:35
